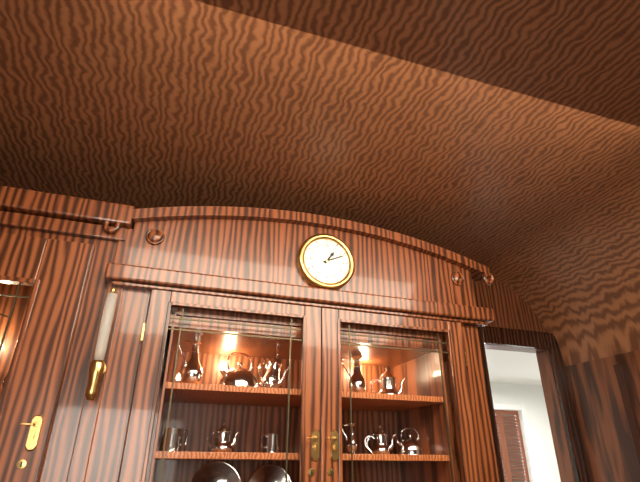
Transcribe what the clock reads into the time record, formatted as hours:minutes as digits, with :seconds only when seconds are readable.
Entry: 1:11
